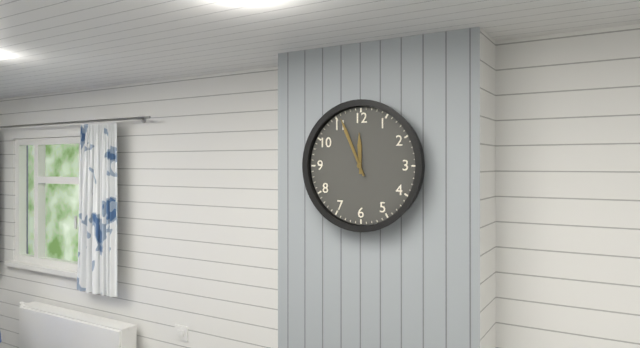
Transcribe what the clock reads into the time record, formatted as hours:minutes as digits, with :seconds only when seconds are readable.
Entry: 11:56
